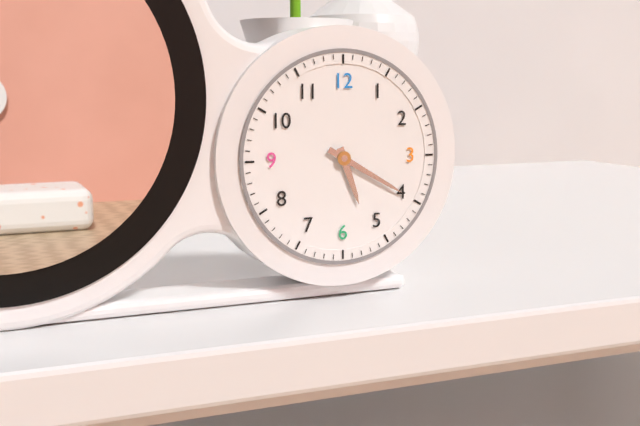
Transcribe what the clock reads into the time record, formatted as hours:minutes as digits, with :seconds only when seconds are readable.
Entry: 5:20
